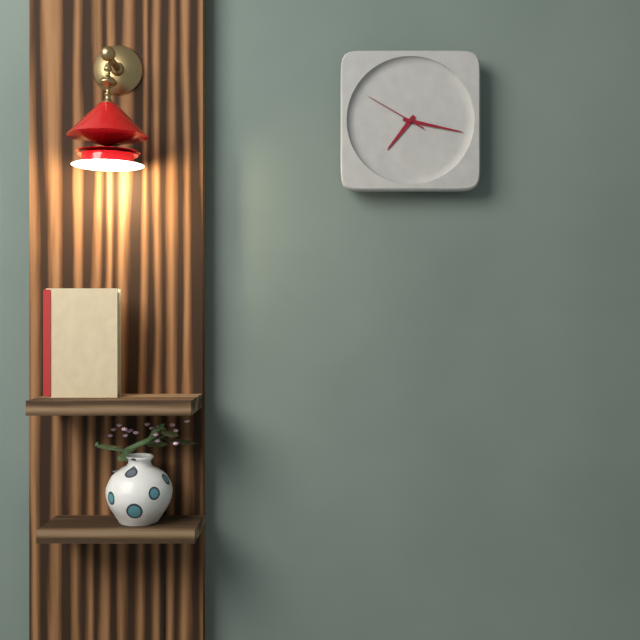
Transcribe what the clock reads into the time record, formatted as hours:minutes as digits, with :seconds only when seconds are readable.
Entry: 7:17:50
